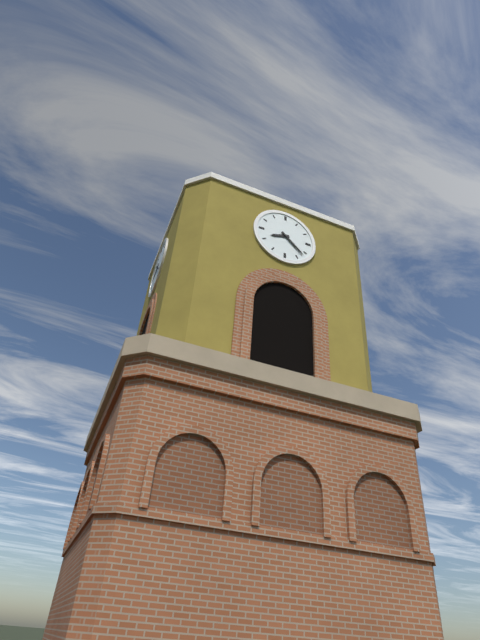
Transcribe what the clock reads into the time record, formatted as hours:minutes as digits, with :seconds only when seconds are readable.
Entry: 8:22
